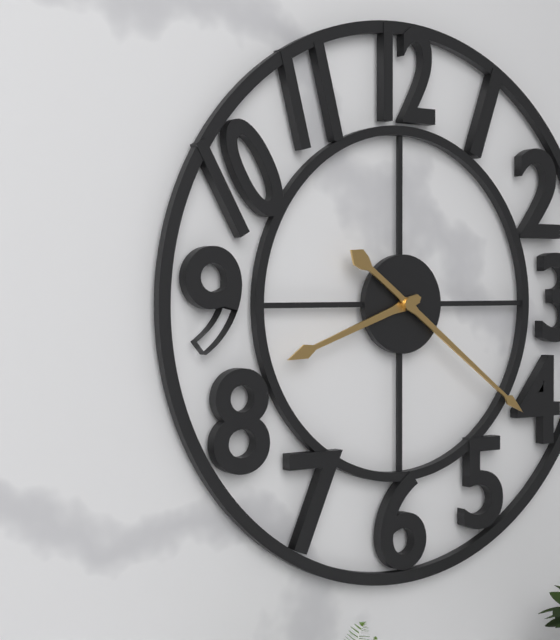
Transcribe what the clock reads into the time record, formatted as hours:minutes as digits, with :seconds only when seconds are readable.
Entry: 8:21
